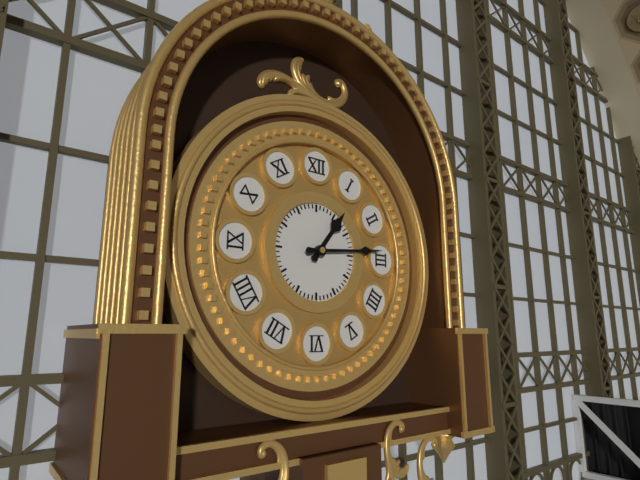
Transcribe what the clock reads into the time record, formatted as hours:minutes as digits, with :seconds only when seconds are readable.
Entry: 1:14
